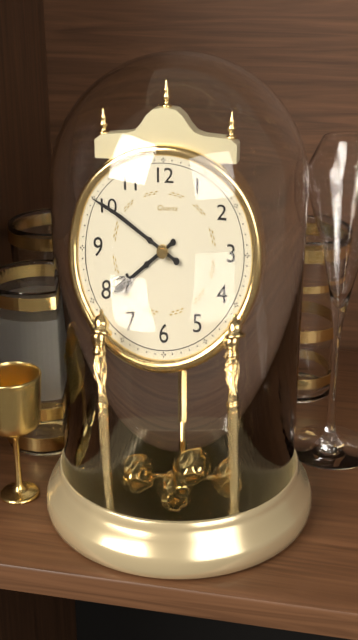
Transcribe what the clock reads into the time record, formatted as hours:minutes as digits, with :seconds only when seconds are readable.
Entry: 7:50
